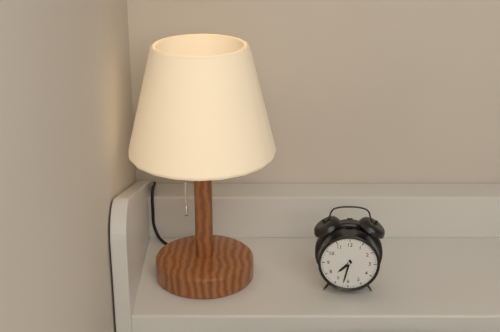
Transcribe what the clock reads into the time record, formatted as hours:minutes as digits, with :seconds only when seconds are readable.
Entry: 7:32
